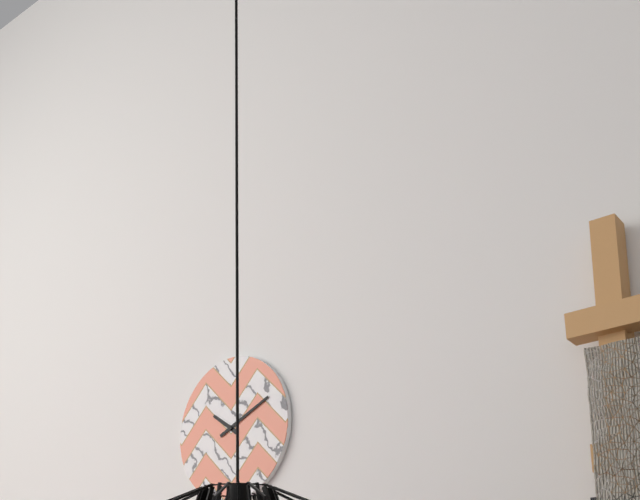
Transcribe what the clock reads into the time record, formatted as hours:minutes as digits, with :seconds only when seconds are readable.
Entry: 10:11
